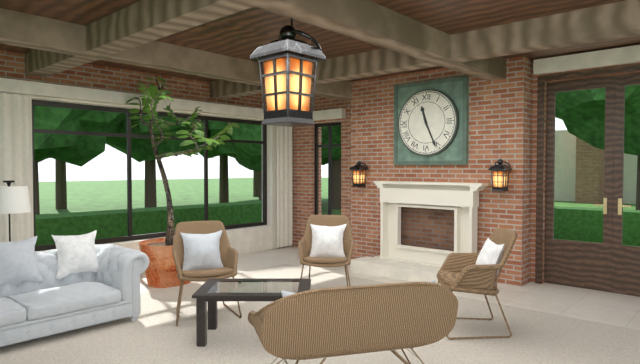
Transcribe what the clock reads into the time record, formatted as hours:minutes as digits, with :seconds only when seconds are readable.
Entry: 11:26
